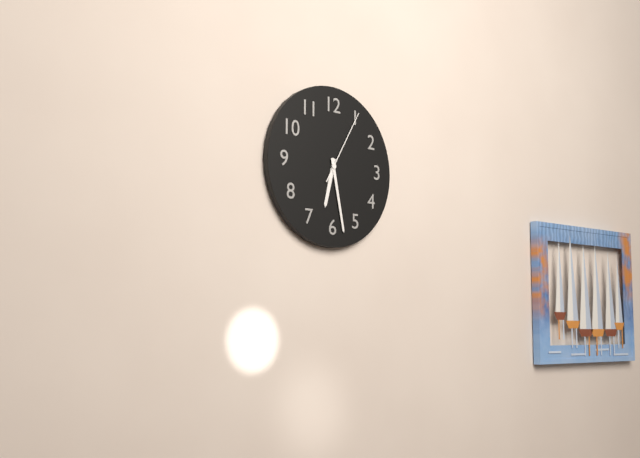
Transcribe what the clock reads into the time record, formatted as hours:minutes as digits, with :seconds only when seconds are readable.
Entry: 6:28:05
